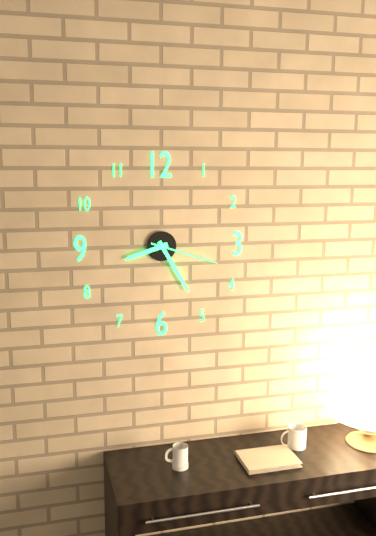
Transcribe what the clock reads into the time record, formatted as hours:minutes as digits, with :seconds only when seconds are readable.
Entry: 8:25:18
